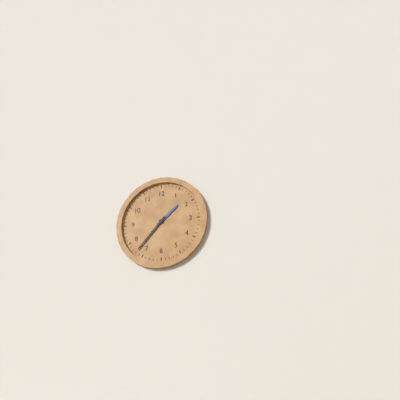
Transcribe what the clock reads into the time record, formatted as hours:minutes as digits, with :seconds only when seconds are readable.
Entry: 1:37
